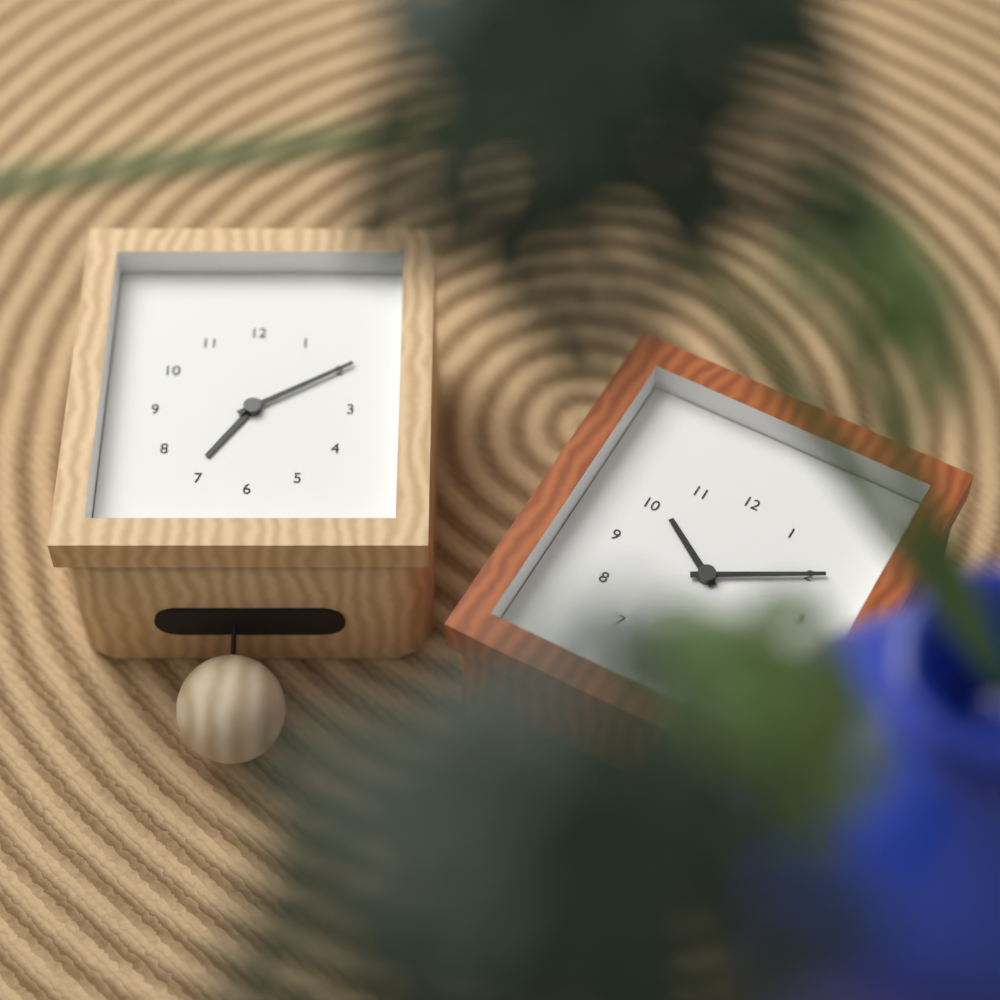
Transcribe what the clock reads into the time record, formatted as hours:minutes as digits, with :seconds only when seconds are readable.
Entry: 7:10
